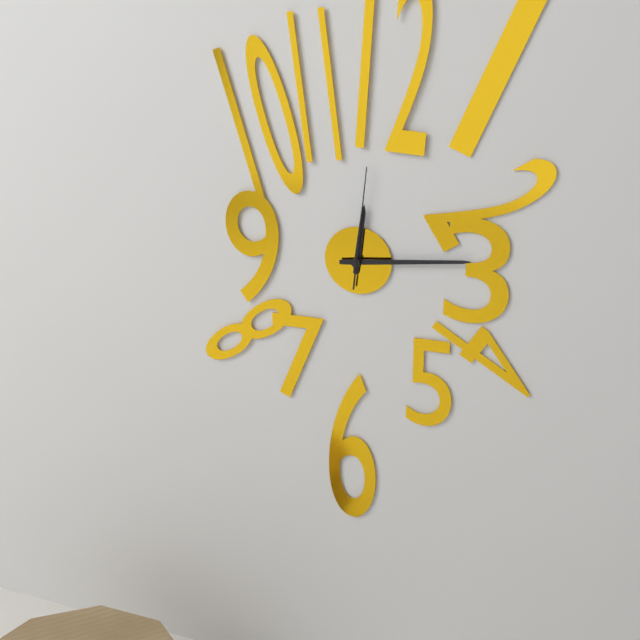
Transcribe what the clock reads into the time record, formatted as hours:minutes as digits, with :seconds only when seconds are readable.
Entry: 12:14:01
